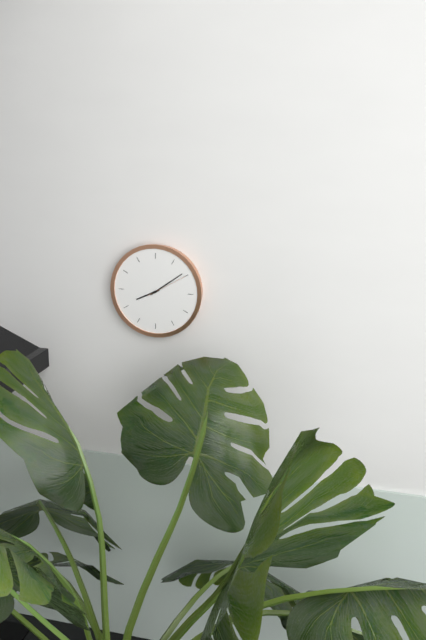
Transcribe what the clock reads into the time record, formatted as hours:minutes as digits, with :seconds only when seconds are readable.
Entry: 8:09
